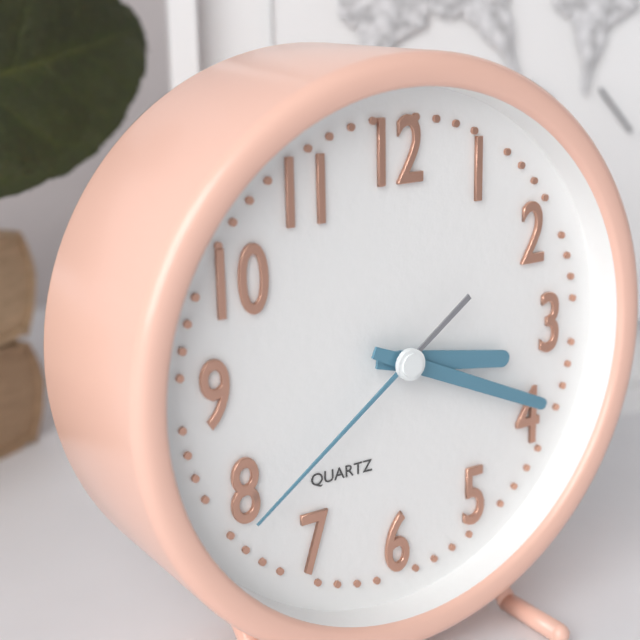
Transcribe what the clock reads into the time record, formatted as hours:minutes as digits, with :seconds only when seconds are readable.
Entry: 3:19:39
